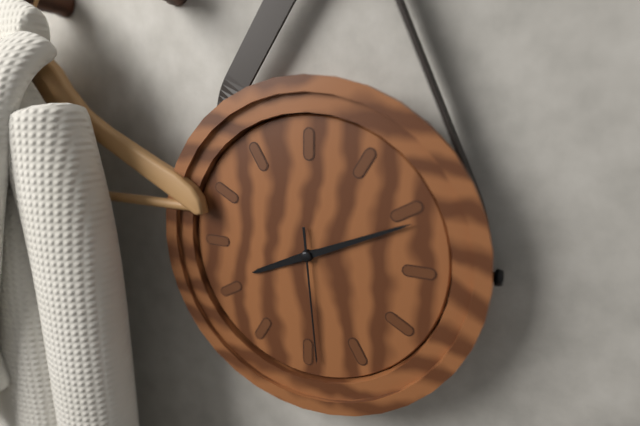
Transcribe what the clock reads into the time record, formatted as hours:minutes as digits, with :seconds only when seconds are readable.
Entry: 8:11:29
